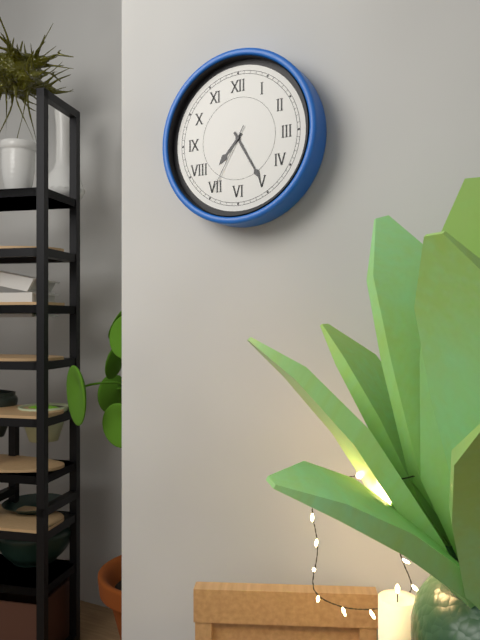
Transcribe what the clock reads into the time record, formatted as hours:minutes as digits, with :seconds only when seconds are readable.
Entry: 7:25:35
